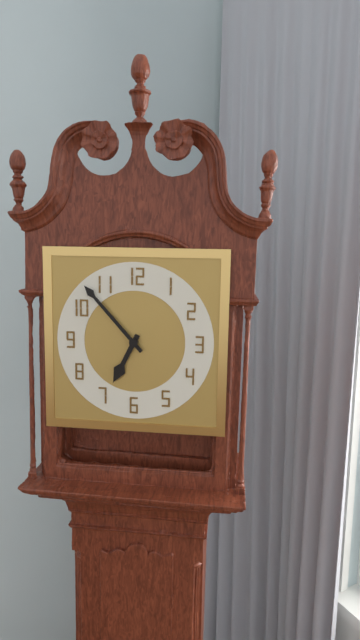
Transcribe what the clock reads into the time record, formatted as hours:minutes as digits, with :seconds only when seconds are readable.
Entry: 6:53
